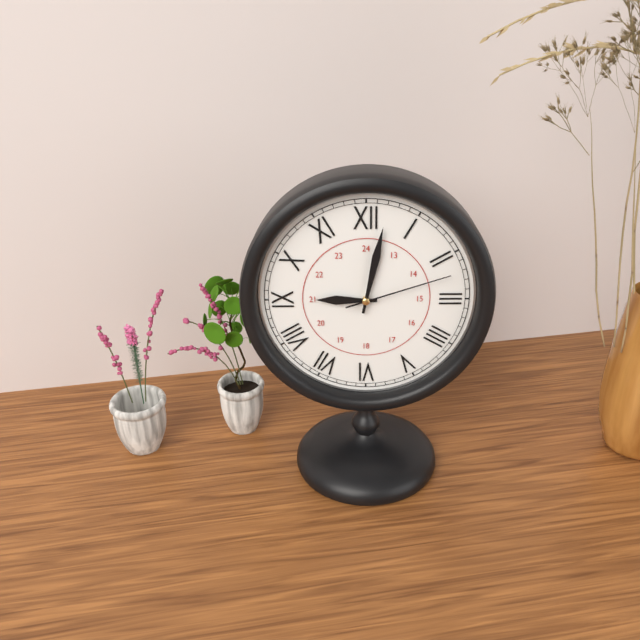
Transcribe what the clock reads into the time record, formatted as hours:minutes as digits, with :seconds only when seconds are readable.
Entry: 9:02:12
